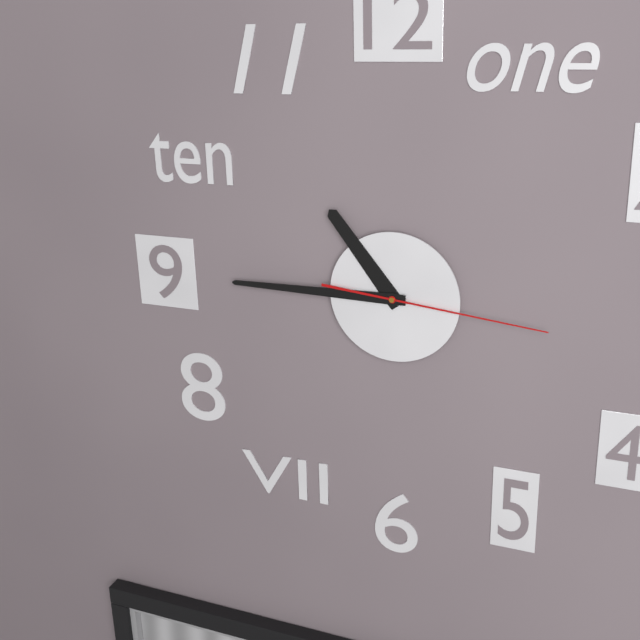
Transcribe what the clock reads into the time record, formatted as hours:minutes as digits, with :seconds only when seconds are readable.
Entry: 10:45:16
